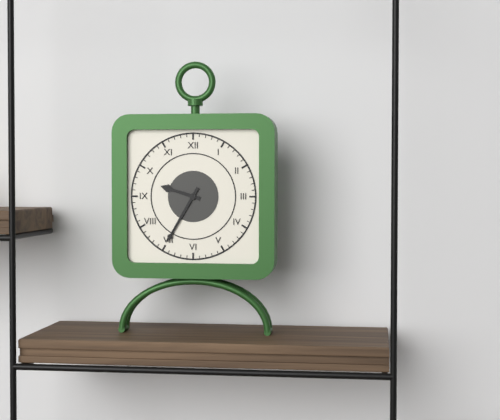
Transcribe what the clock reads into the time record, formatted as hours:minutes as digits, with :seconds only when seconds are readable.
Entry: 9:35
